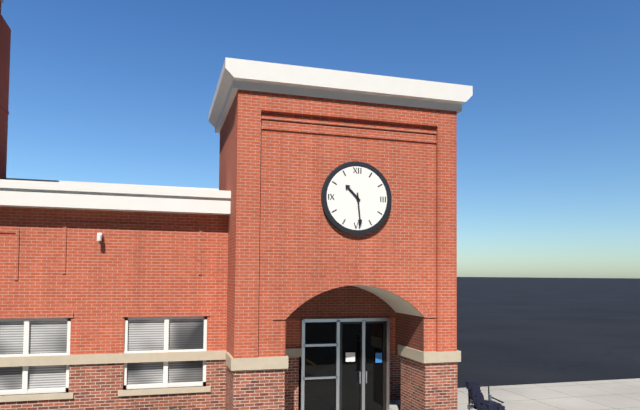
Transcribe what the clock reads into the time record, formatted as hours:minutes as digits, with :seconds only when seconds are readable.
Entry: 10:29
